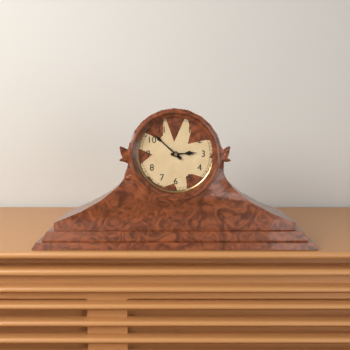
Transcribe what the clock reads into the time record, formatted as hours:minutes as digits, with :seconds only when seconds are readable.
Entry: 2:52
